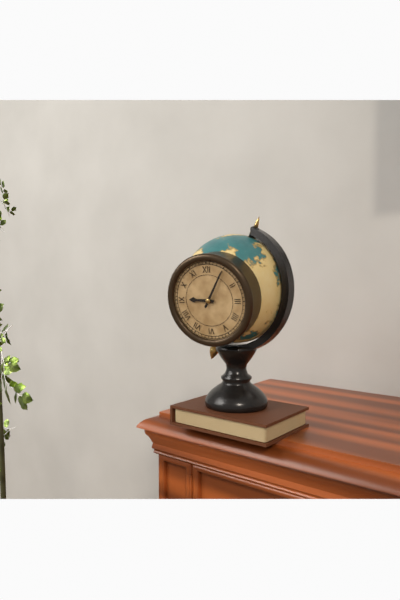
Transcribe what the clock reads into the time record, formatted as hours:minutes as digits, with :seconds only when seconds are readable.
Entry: 9:05
